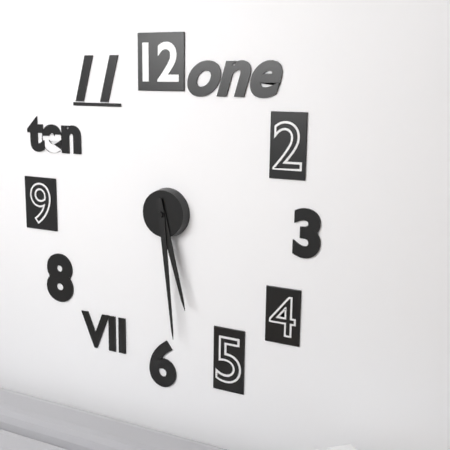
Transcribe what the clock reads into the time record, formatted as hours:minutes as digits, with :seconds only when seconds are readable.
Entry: 5:29
